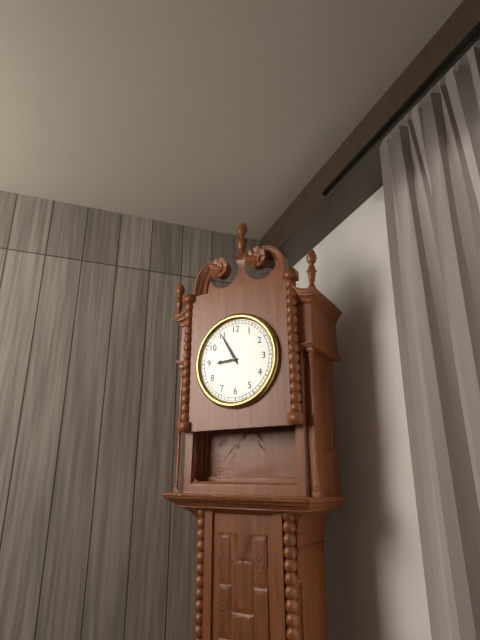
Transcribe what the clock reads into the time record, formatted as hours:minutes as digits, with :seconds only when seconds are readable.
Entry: 8:55
